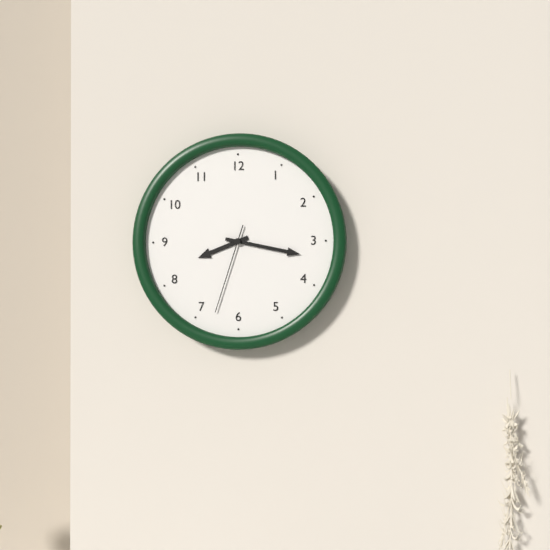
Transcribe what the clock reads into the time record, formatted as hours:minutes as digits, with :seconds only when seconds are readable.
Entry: 8:17:33
